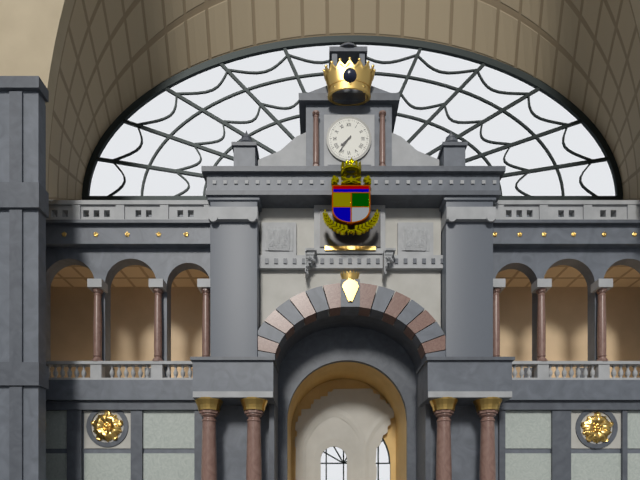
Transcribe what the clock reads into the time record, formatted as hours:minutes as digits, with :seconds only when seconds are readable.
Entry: 7:36
